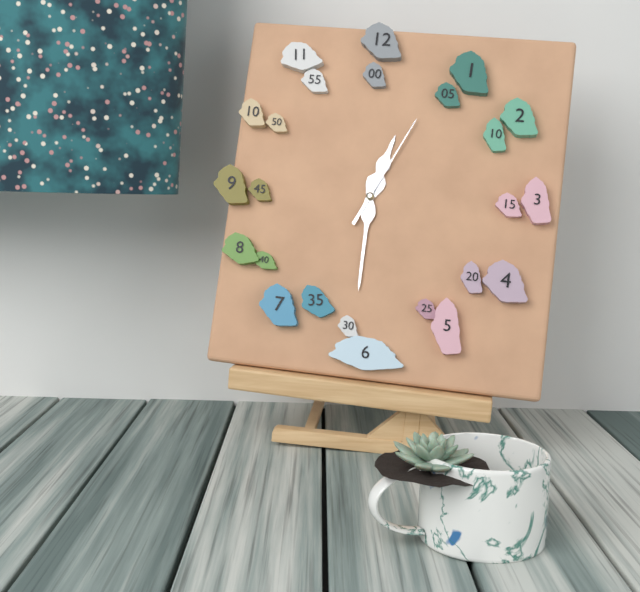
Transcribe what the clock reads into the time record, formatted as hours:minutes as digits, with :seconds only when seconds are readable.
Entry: 12:30:04
